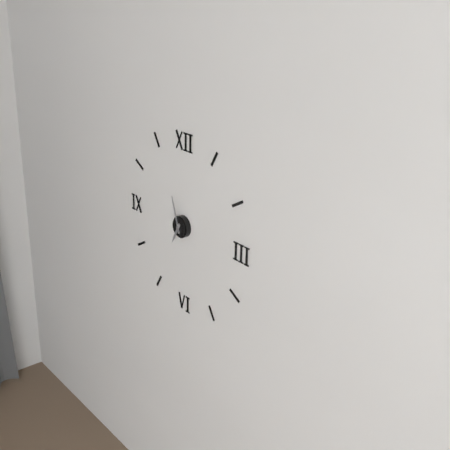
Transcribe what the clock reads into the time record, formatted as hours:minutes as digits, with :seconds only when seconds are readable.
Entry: 6:57
